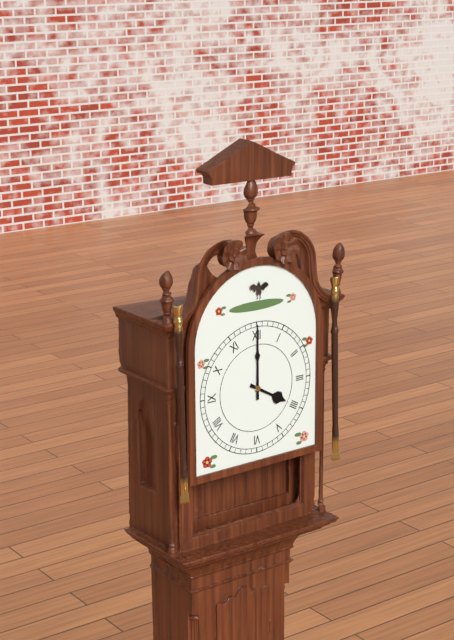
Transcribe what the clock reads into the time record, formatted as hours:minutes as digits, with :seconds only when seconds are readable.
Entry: 4:00
